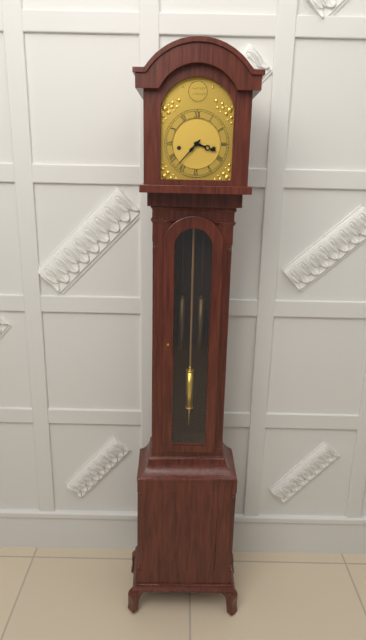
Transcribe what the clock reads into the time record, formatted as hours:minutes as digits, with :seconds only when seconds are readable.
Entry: 3:37
